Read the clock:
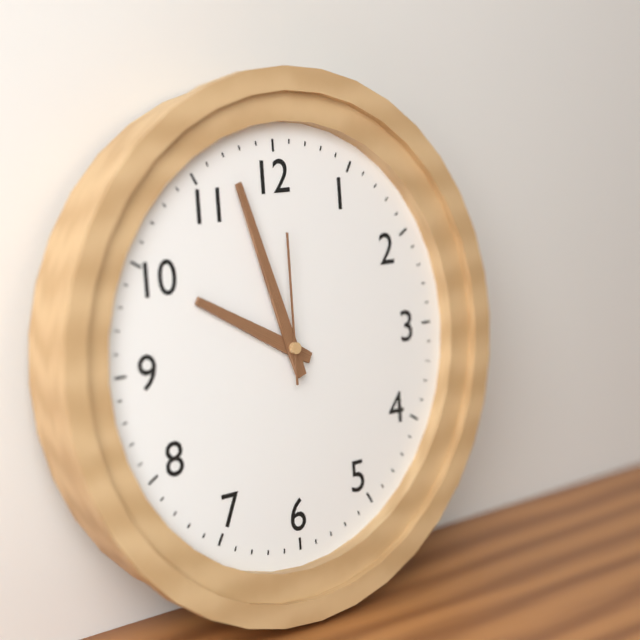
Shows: 9:57:00
